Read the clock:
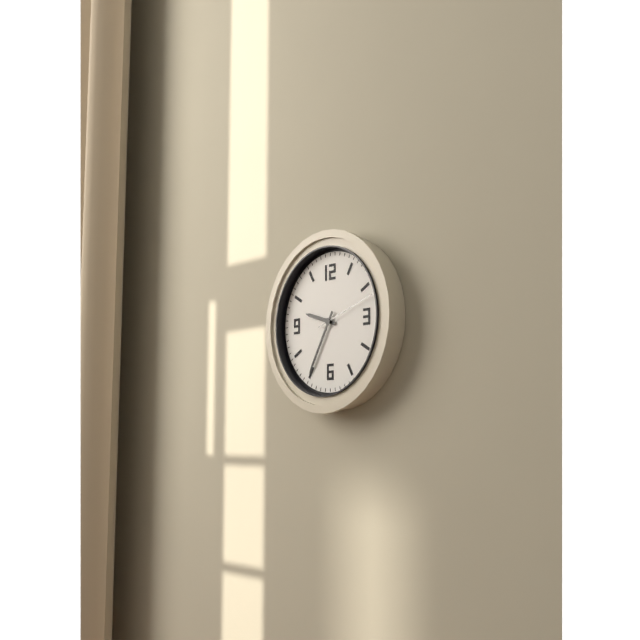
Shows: 9:35:12
